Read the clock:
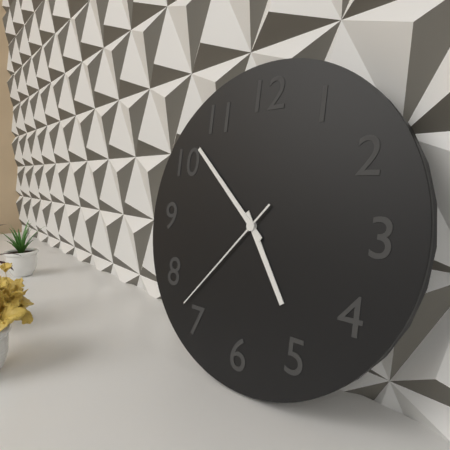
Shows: 4:52:37
